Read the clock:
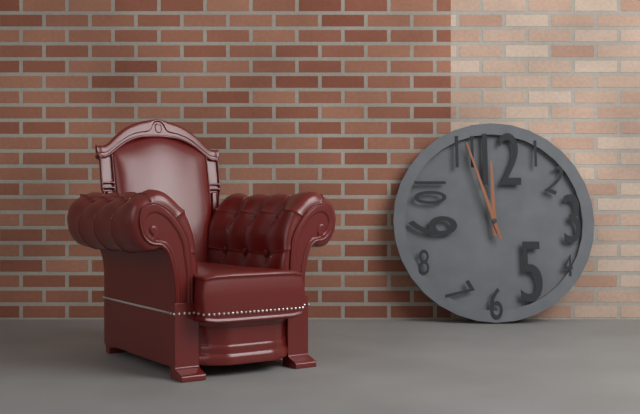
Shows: 11:57
